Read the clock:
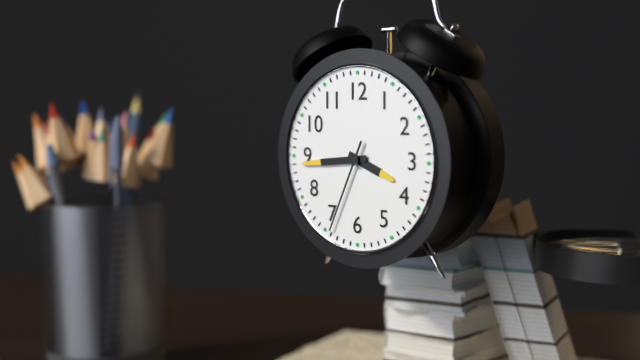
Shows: 3:44:34
